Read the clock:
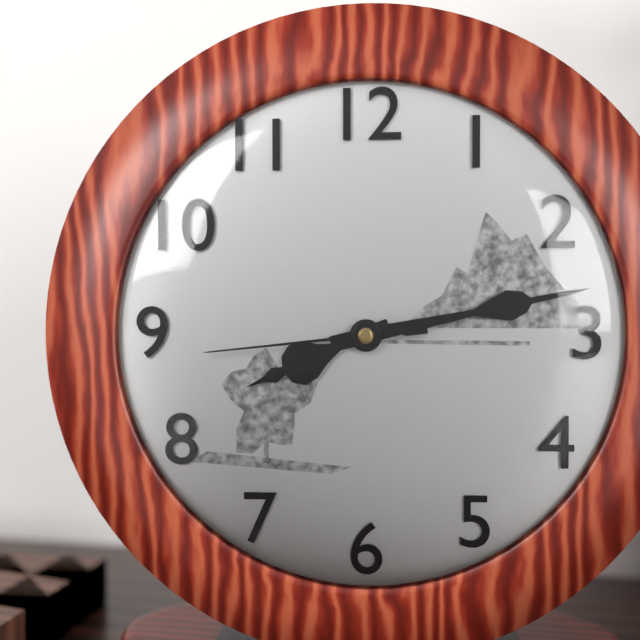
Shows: 8:13:44
